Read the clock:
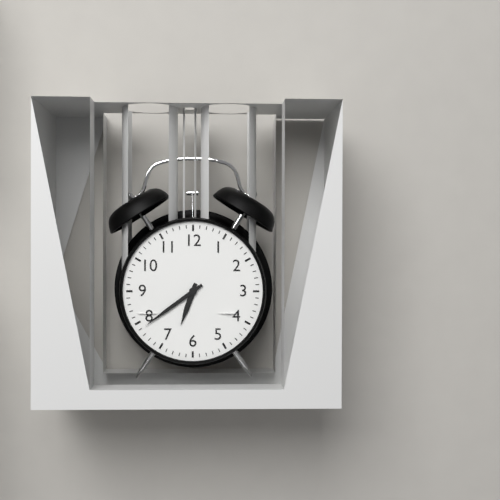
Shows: 6:39
